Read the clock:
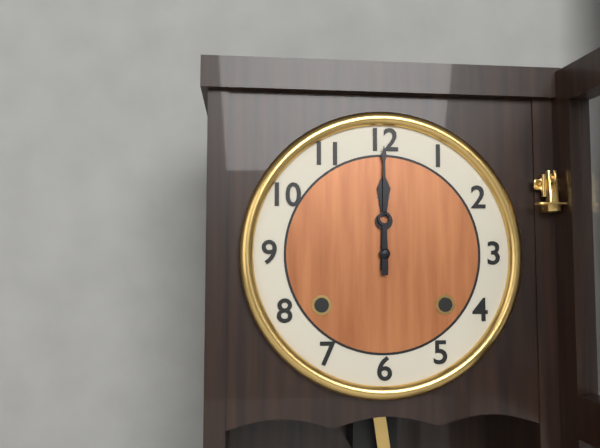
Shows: 12:00
